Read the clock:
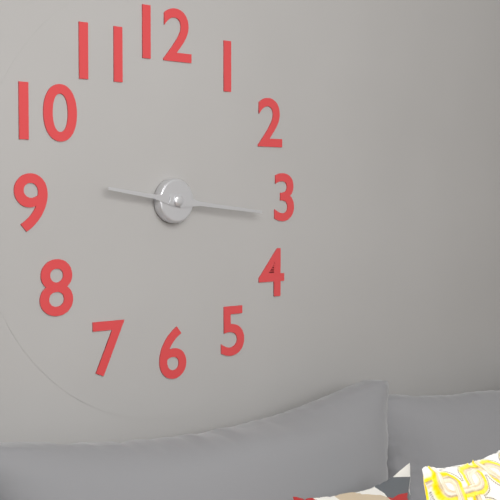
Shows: 9:16
